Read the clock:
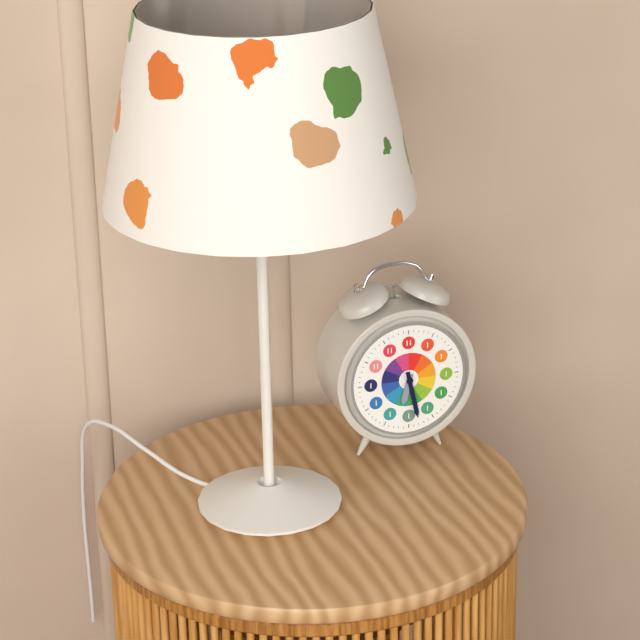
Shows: 6:28
